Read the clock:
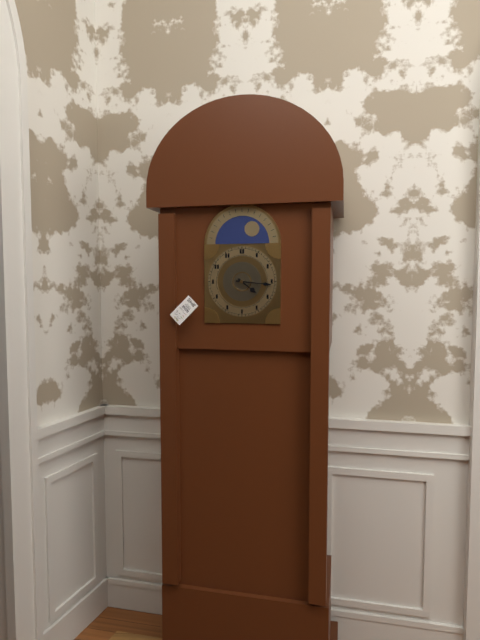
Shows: 4:16
